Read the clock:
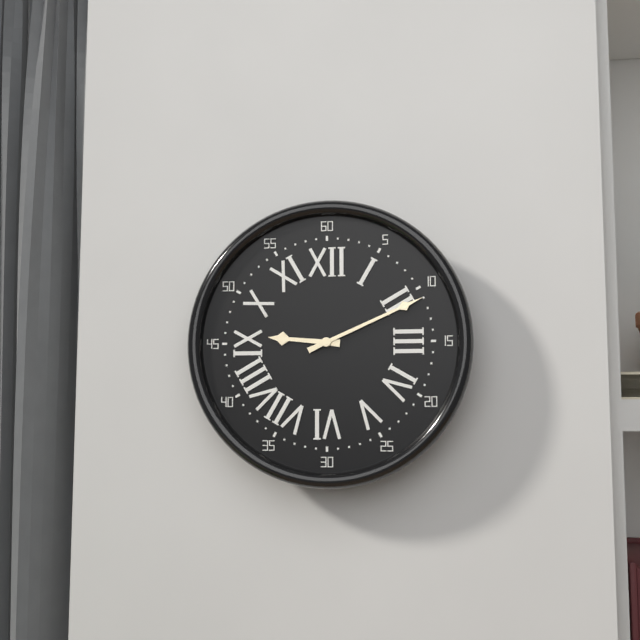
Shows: 9:11
